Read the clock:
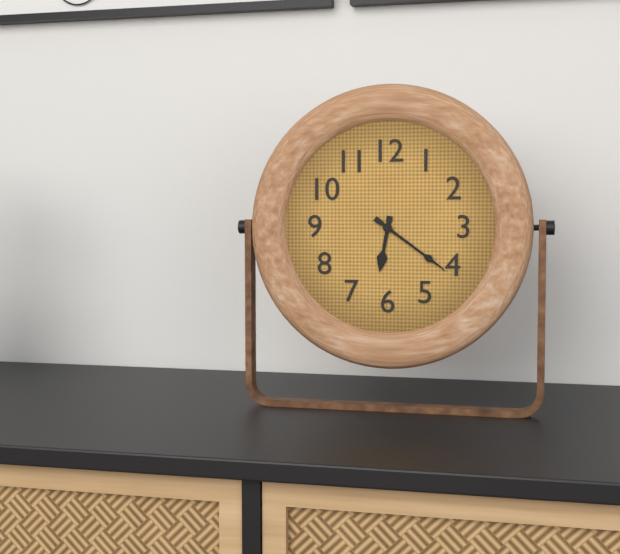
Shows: 6:21
